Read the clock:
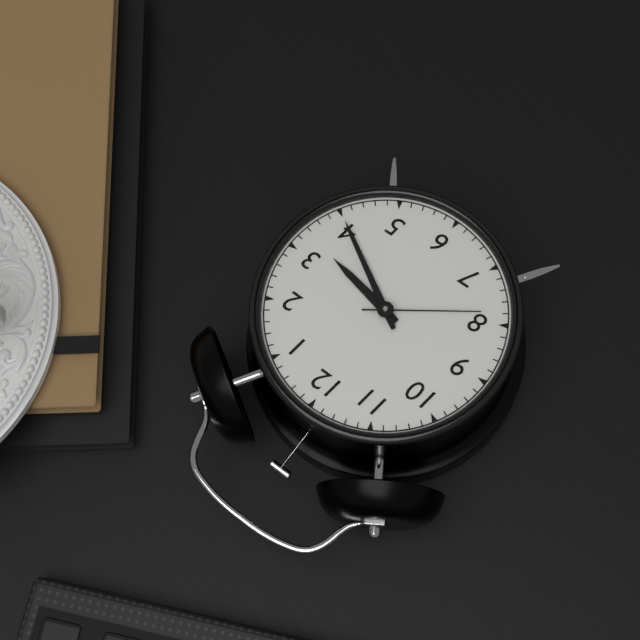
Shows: 3:20:39
